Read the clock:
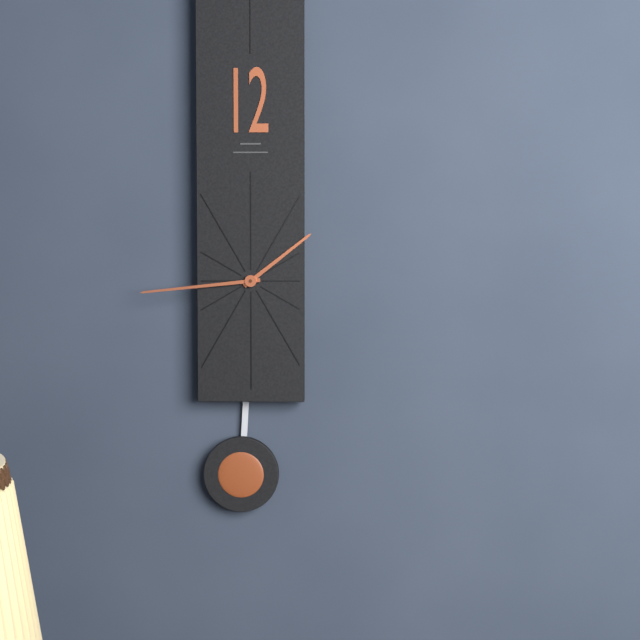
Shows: 1:44
